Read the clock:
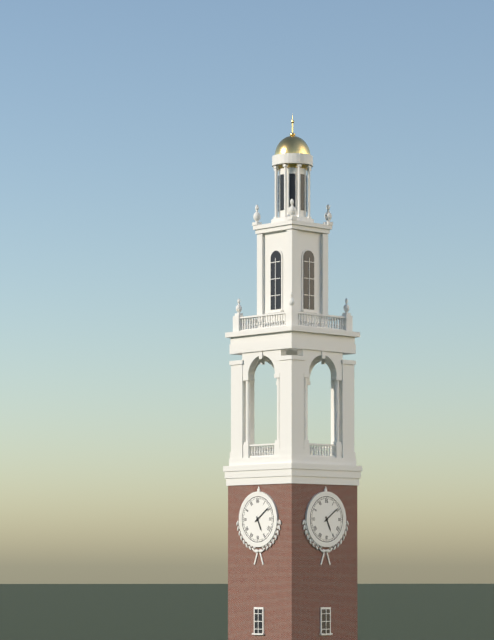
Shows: 5:09
